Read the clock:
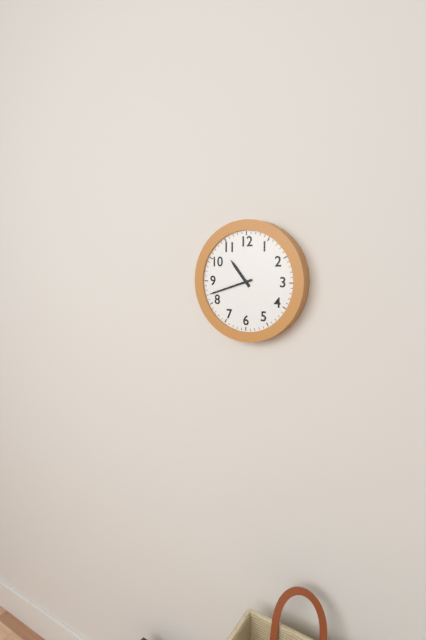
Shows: 10:42
